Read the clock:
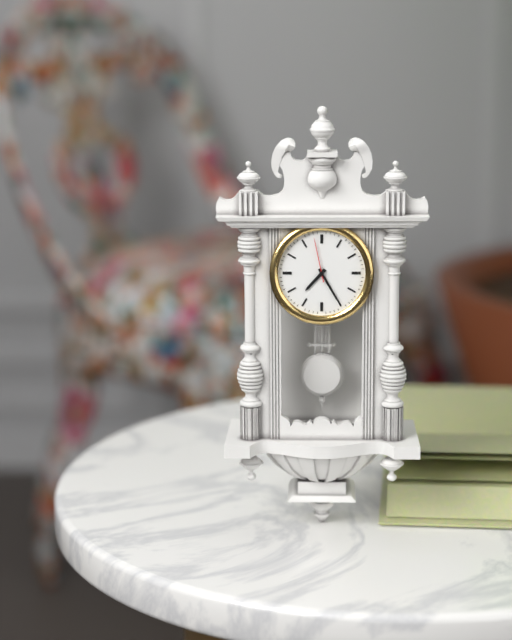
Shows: 7:25
